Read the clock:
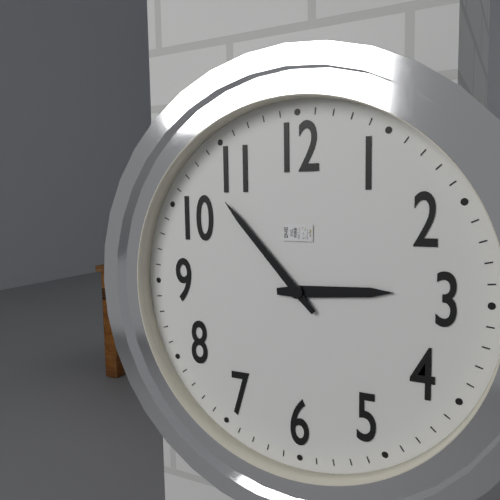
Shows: 2:53
